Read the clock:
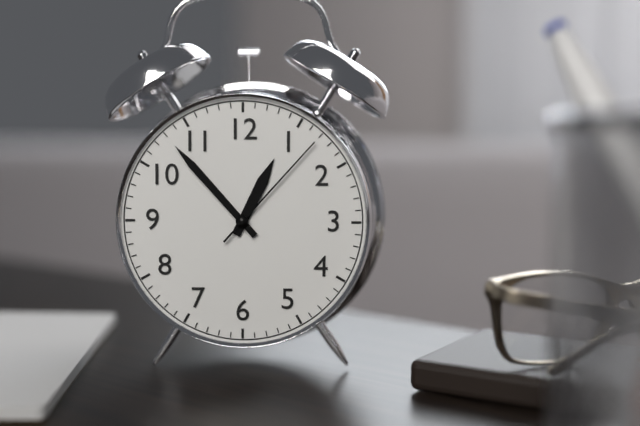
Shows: 12:53:07
